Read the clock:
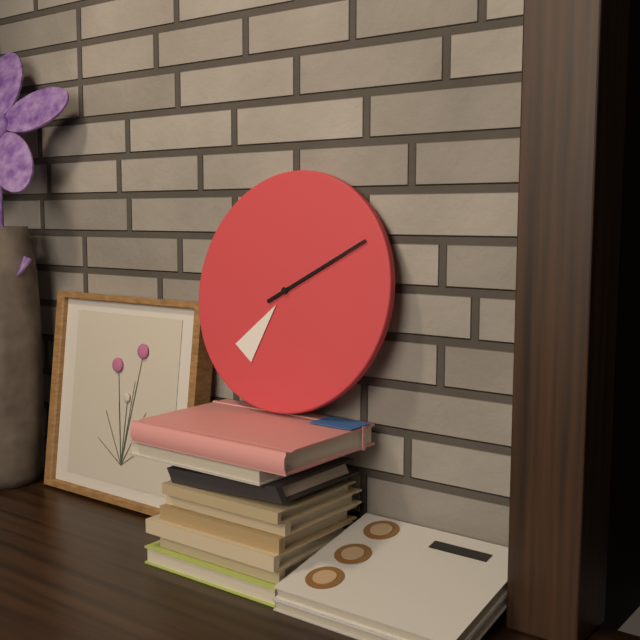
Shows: 7:10
